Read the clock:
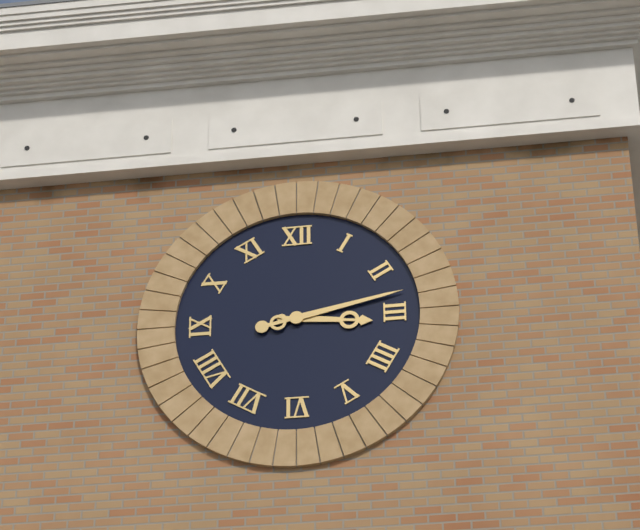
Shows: 3:13
